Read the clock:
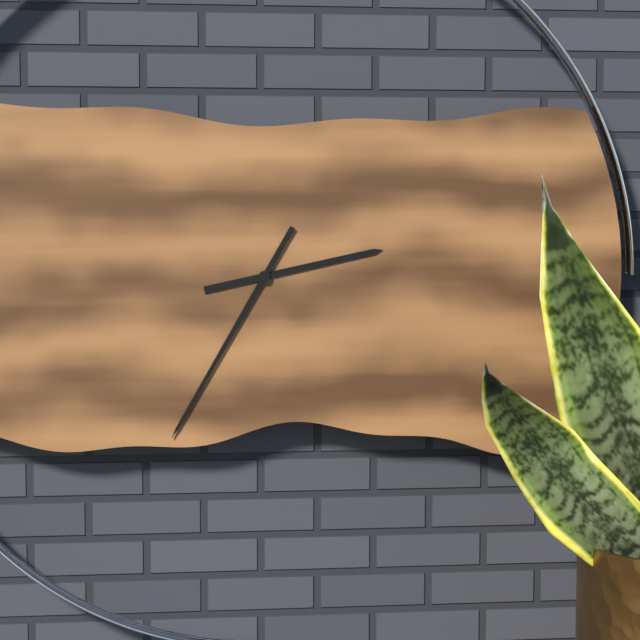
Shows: 2:35
